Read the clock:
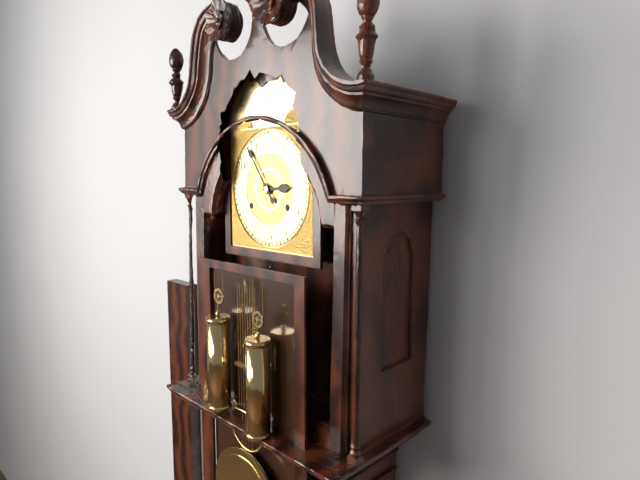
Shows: 2:54
